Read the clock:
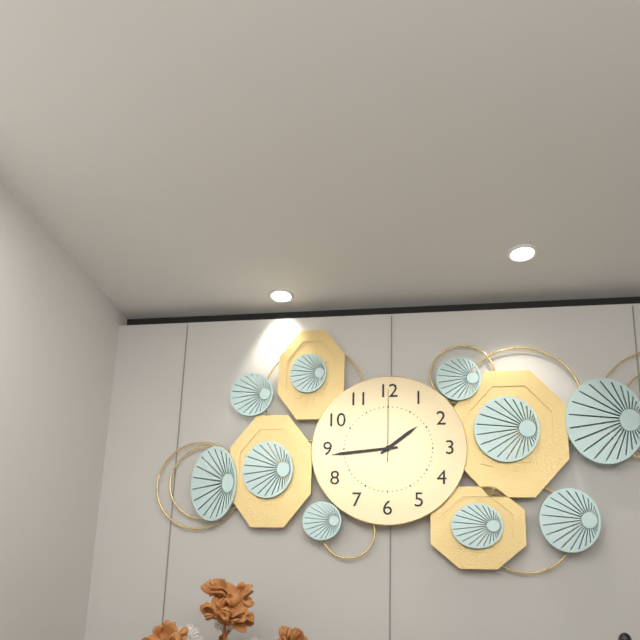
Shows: 1:44:00
